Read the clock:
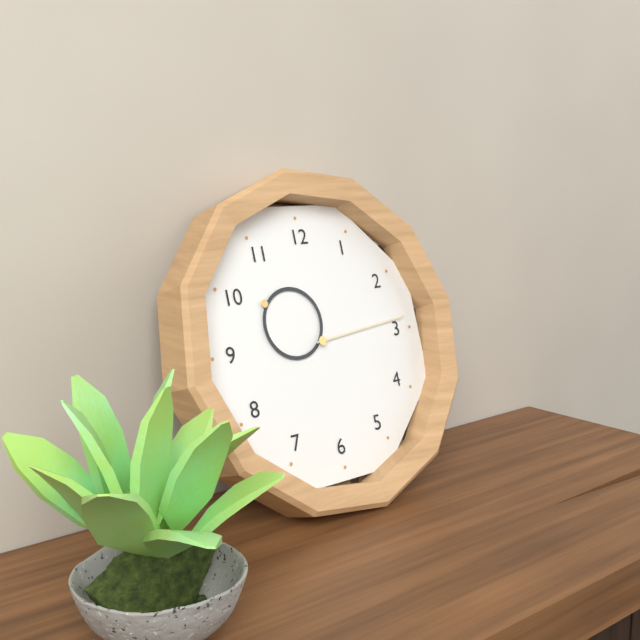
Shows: 10:14
